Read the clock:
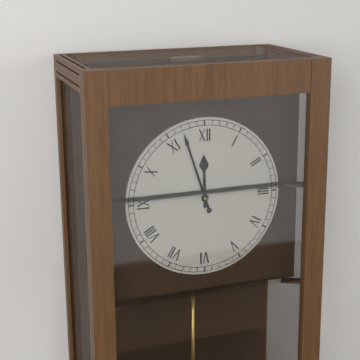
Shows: 11:57
